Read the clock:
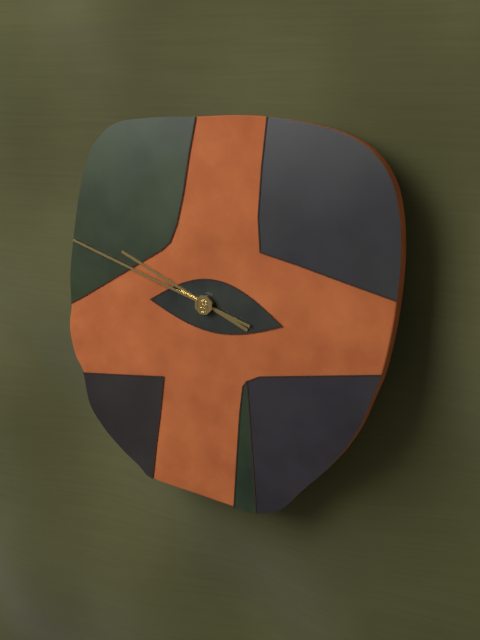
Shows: 9:48
